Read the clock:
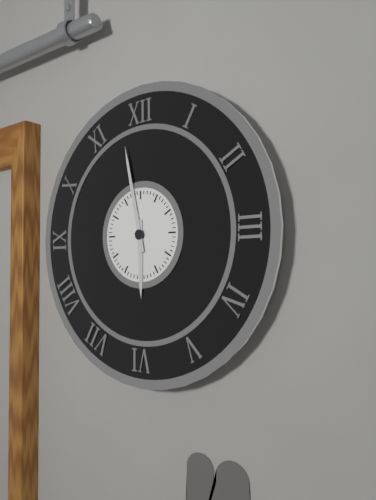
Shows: 5:58
